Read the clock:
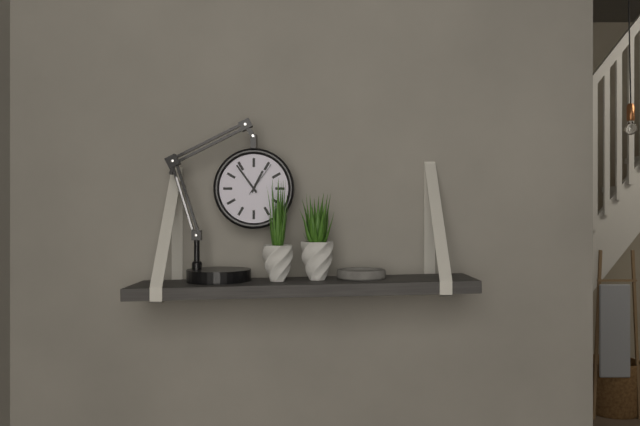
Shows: 12:54
